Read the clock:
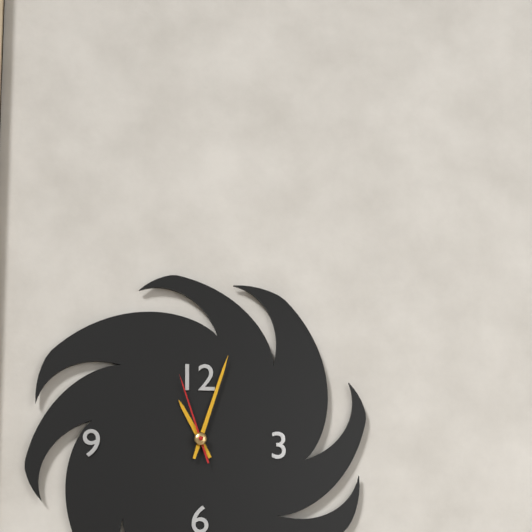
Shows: 11:03:57
